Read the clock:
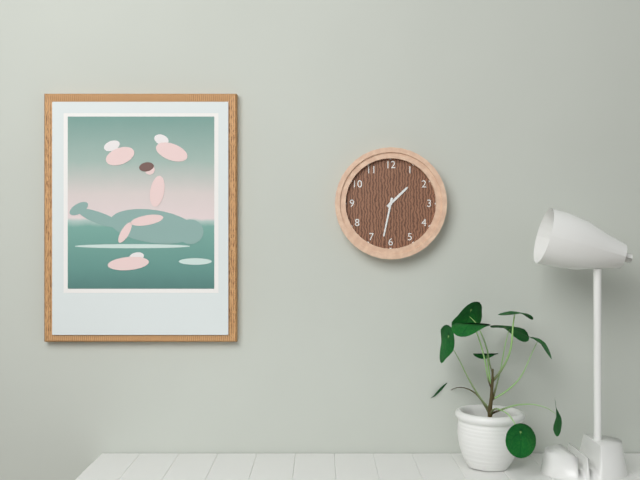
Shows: 1:32
